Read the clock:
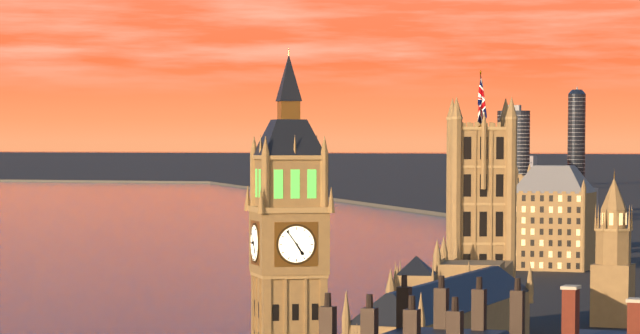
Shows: 4:54
